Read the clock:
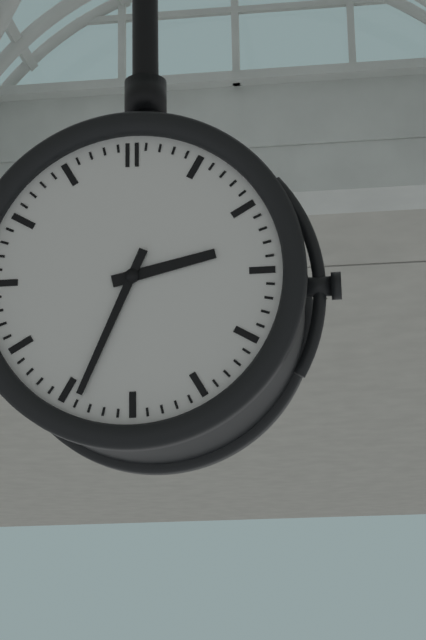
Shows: 2:34
